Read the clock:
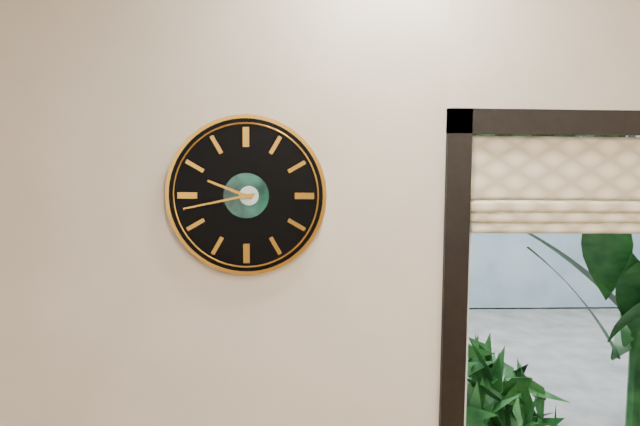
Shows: 9:43
